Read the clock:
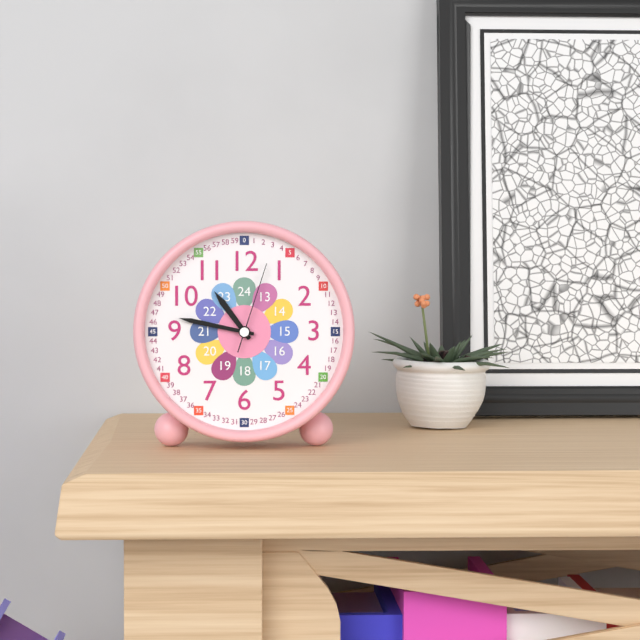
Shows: 10:47:03
